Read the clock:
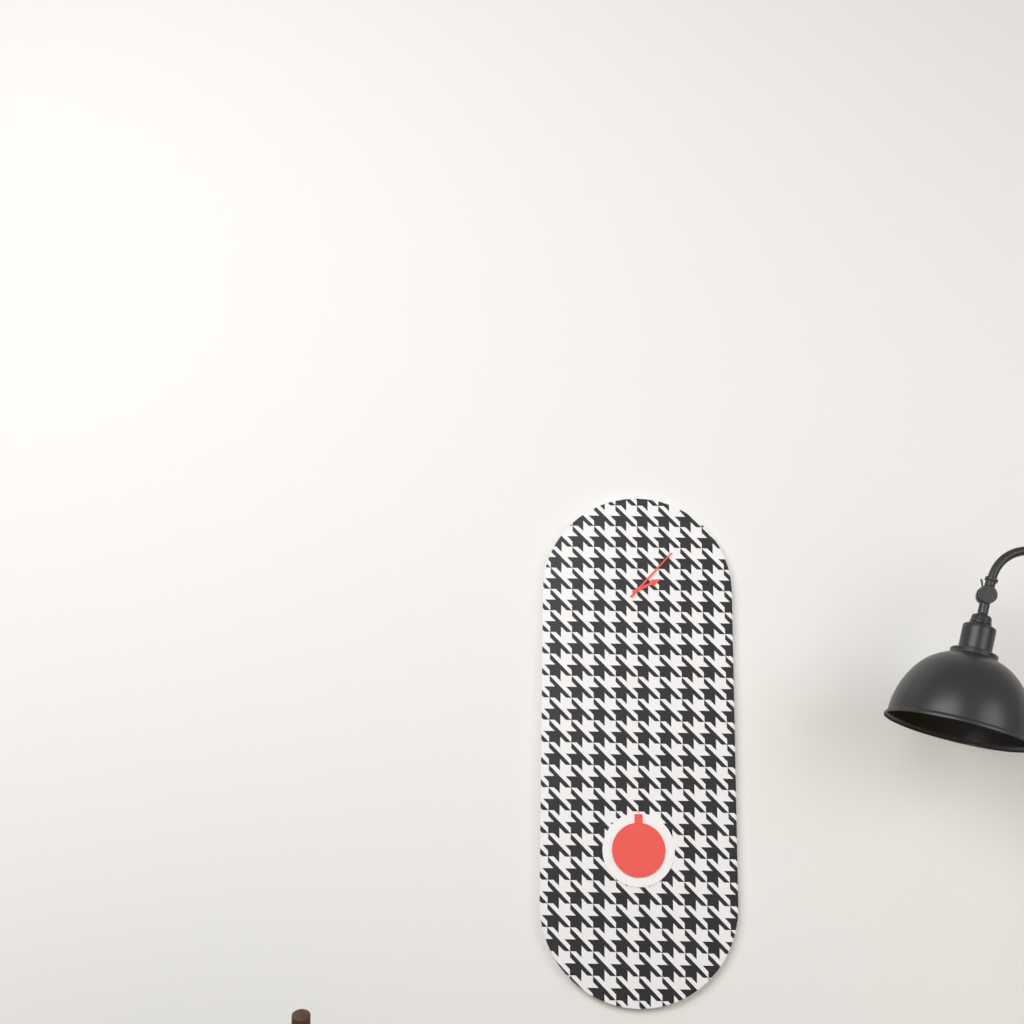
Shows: 2:07
